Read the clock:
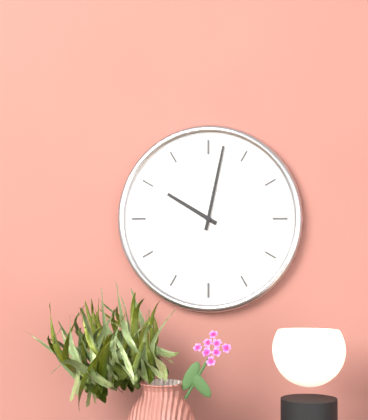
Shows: 10:02
